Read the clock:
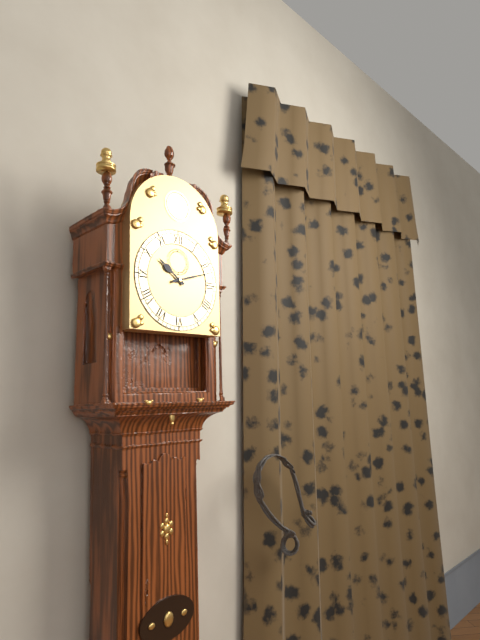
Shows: 10:12
